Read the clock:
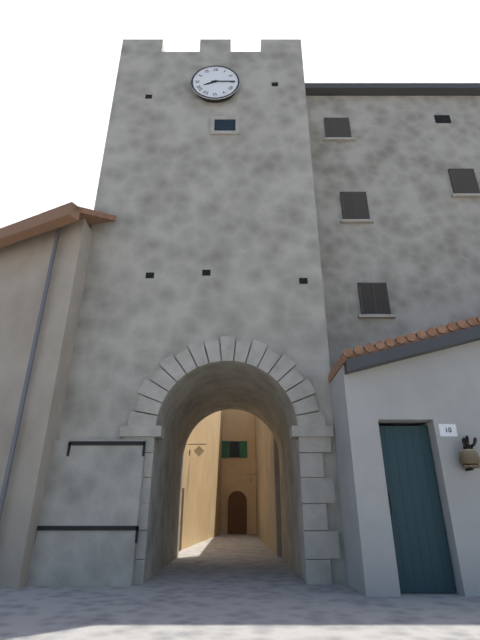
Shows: 8:15
